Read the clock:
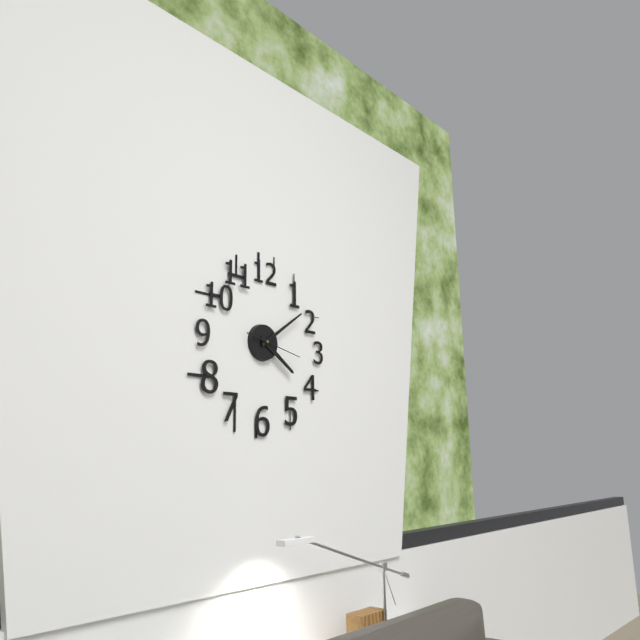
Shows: 4:09
